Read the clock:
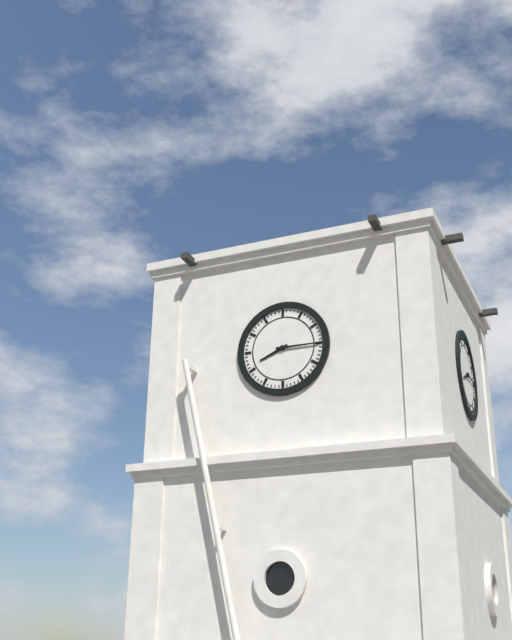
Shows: 8:15
